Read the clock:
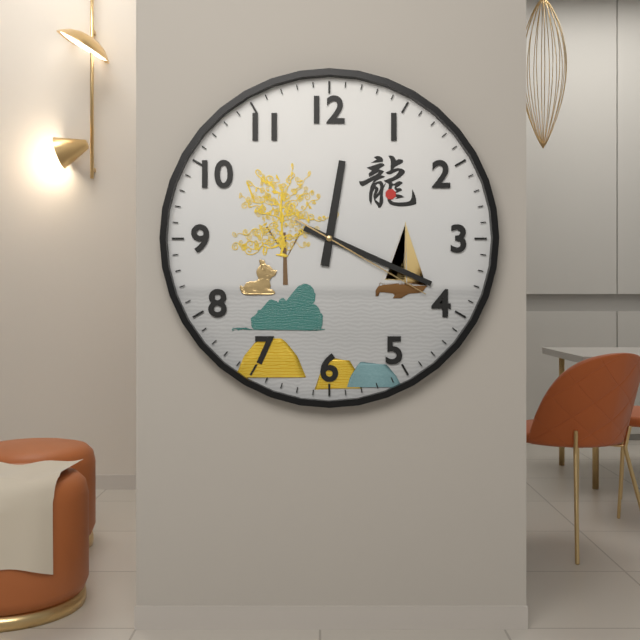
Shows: 12:19:20
